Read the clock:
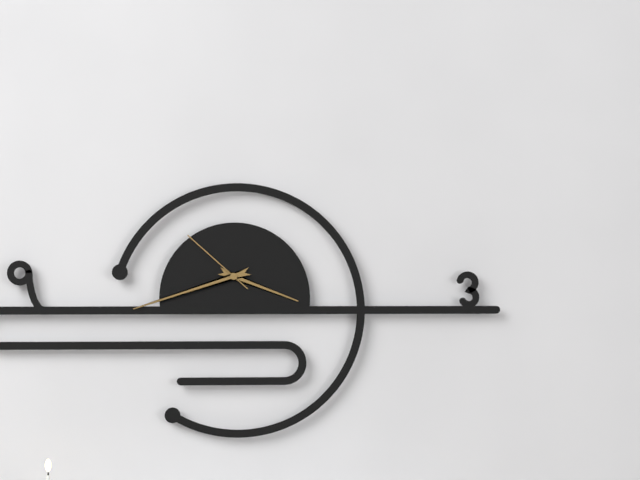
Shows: 3:42:52
